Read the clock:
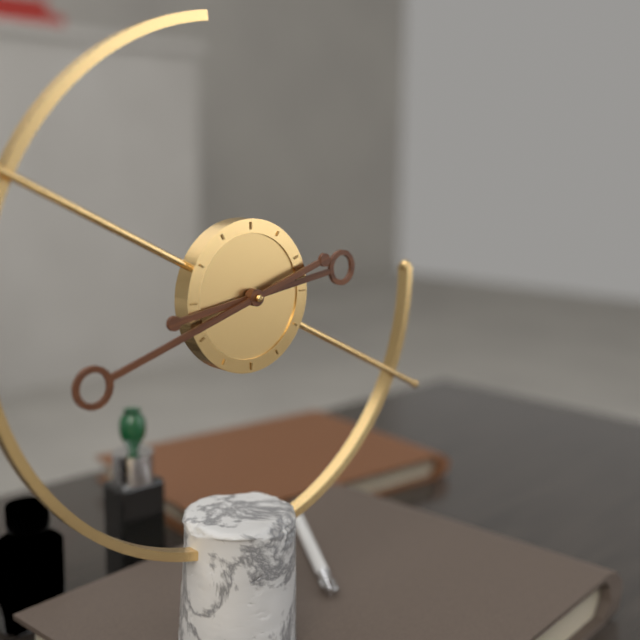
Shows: 2:42
